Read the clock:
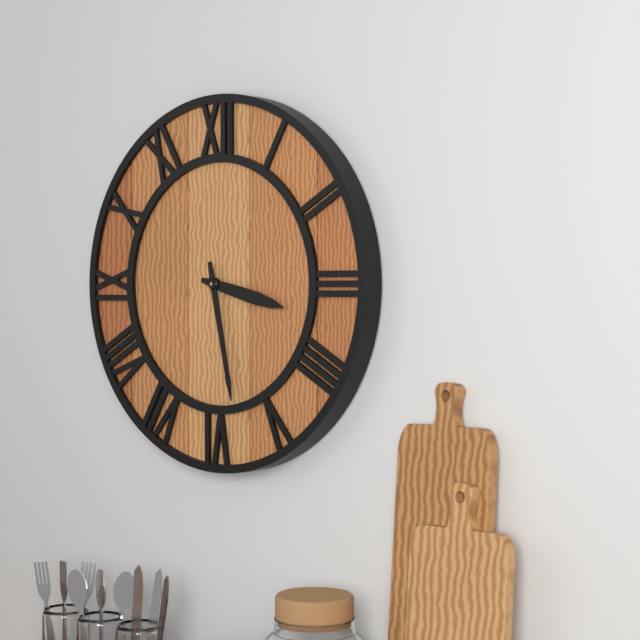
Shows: 3:28
